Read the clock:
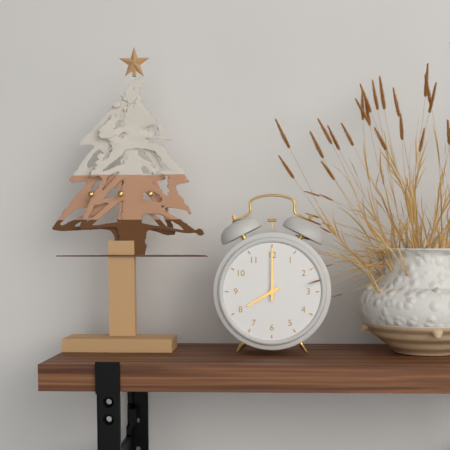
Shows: 8:00
